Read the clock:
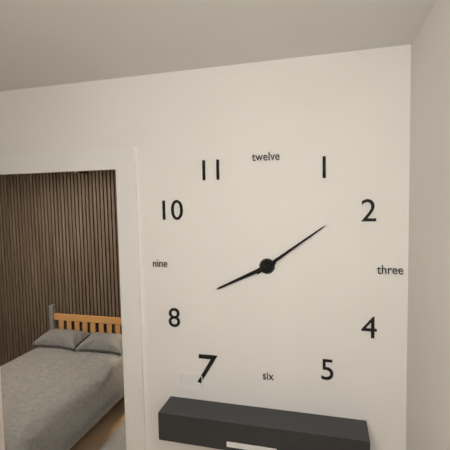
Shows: 8:09
